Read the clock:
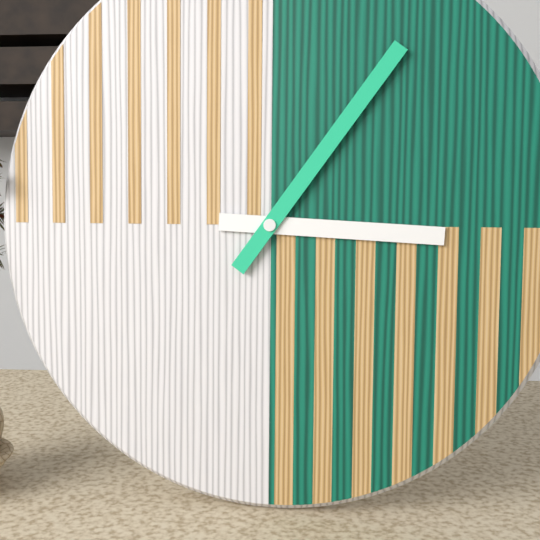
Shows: 3:06
